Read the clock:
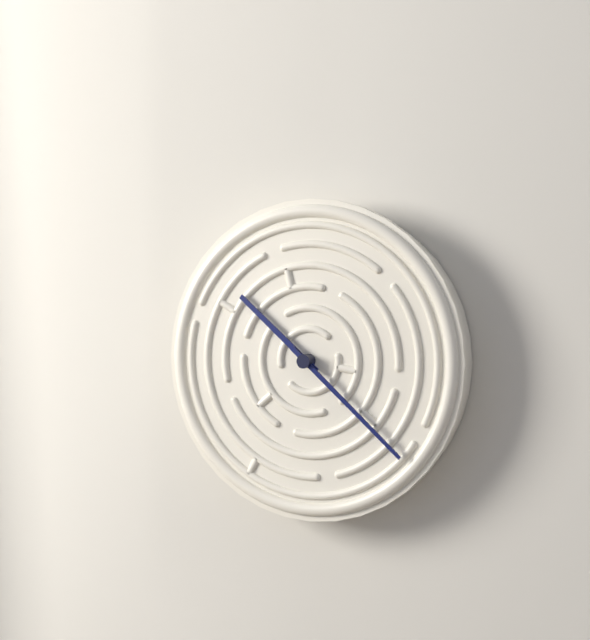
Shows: 10:22
